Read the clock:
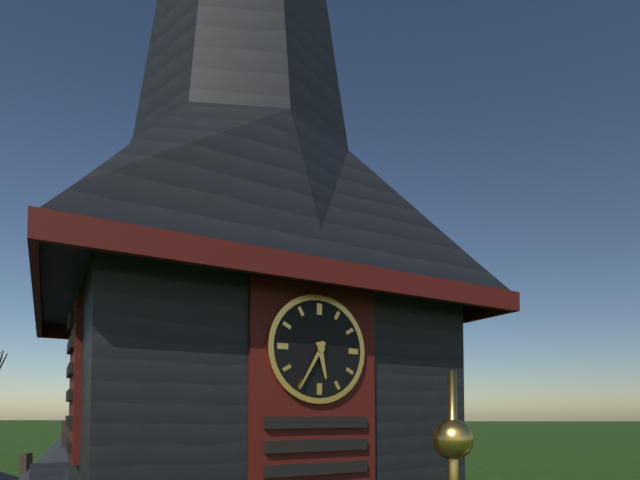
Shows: 5:35
